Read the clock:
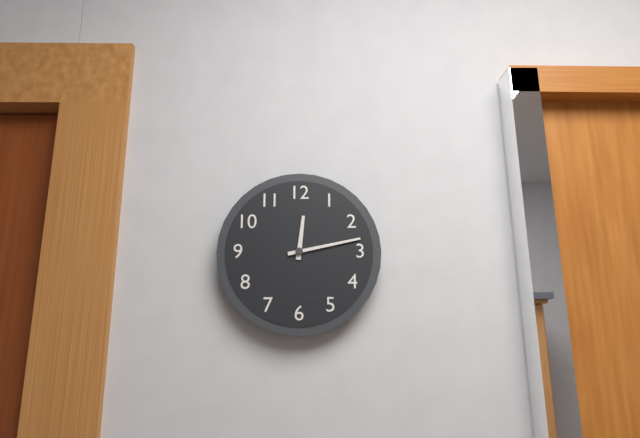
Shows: 12:13
